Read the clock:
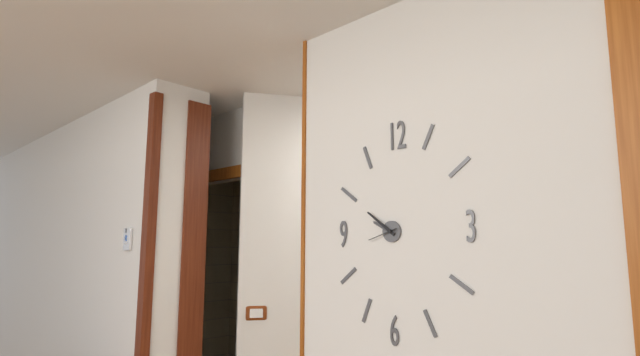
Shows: 9:51
